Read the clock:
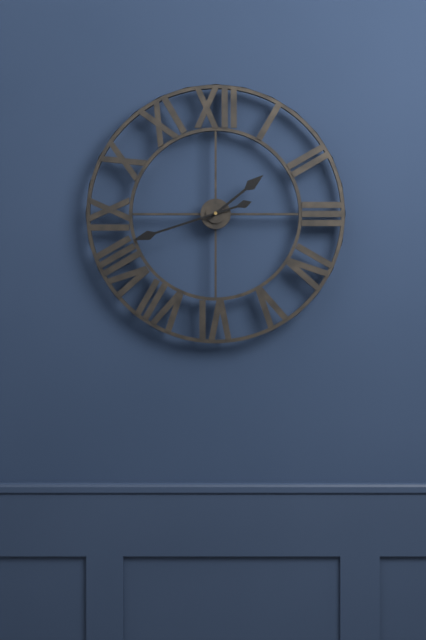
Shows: 1:42
